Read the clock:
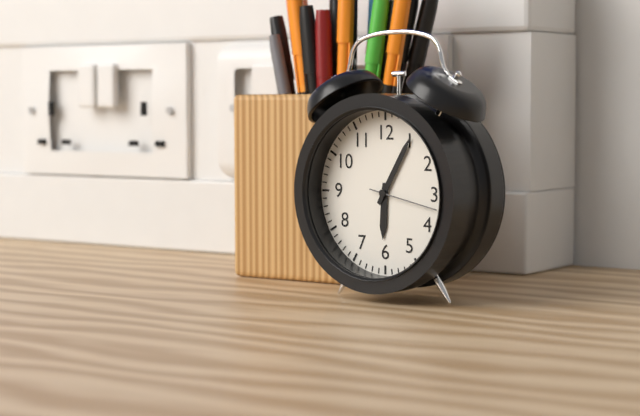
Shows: 6:05:17
